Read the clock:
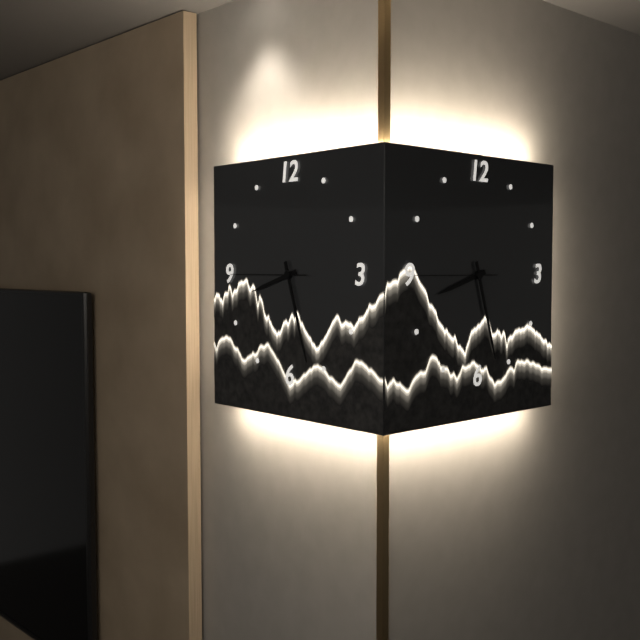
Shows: 8:27:45
